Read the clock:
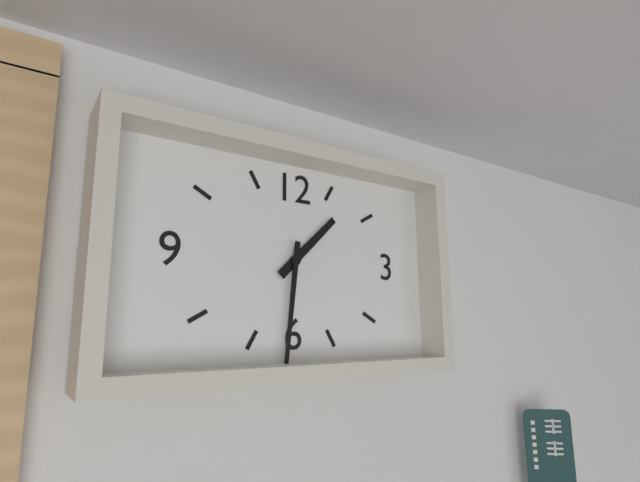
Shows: 1:31
